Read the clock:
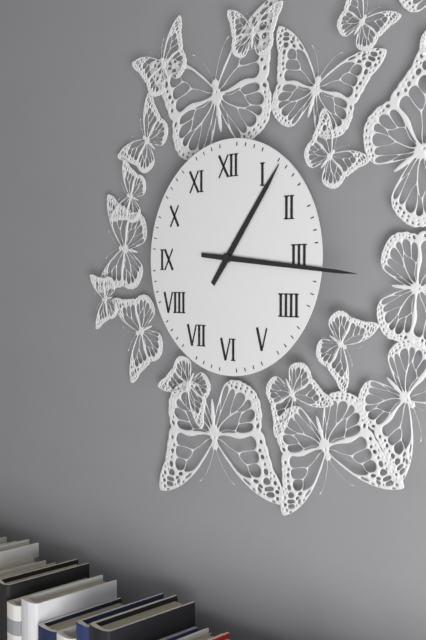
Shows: 1:16
